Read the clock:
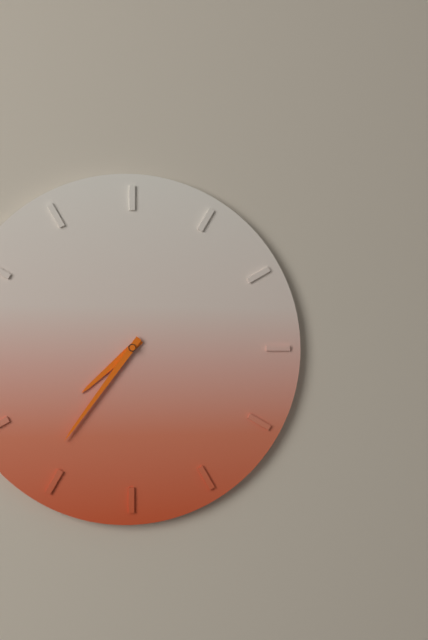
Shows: 7:36
